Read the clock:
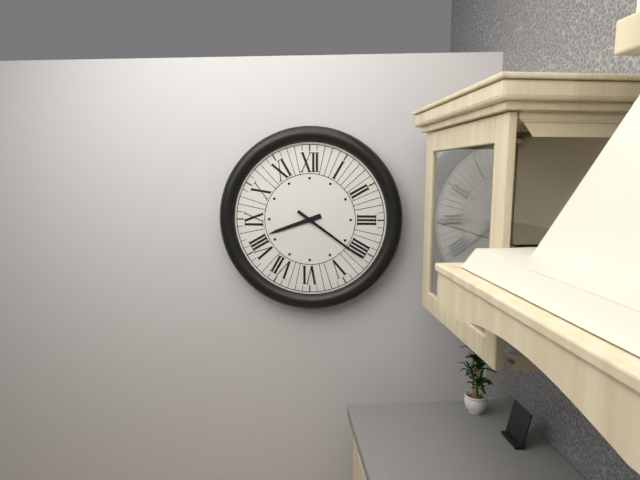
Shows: 8:21
